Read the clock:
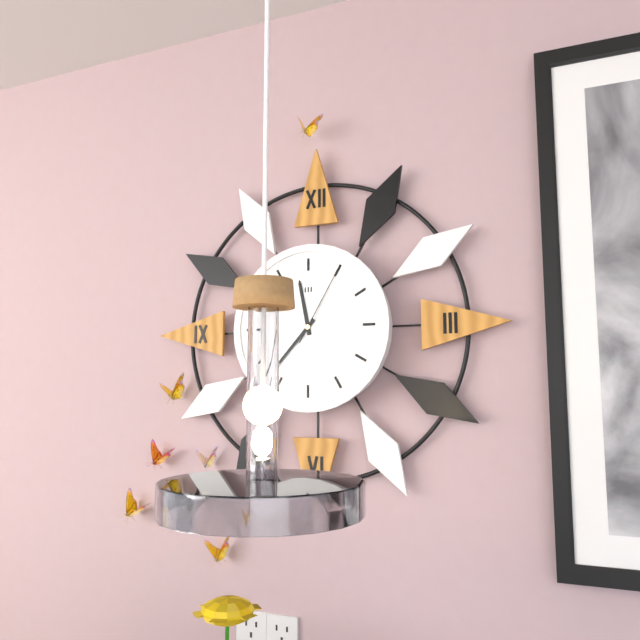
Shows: 11:37:05
